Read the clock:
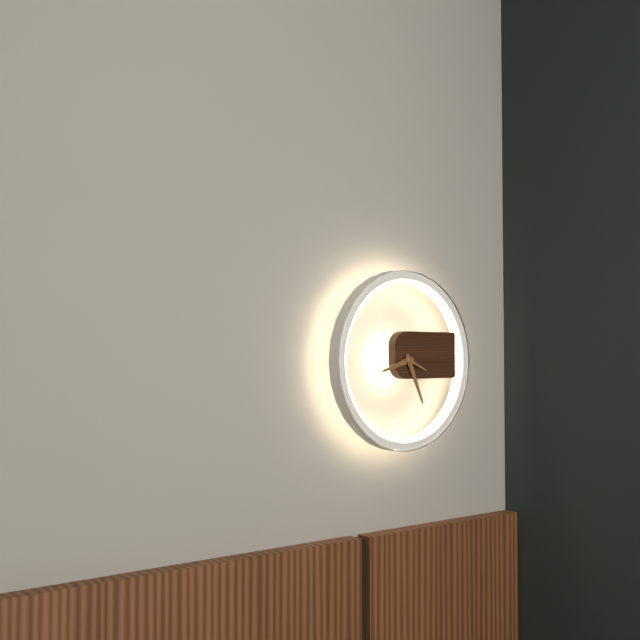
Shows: 8:26:19
